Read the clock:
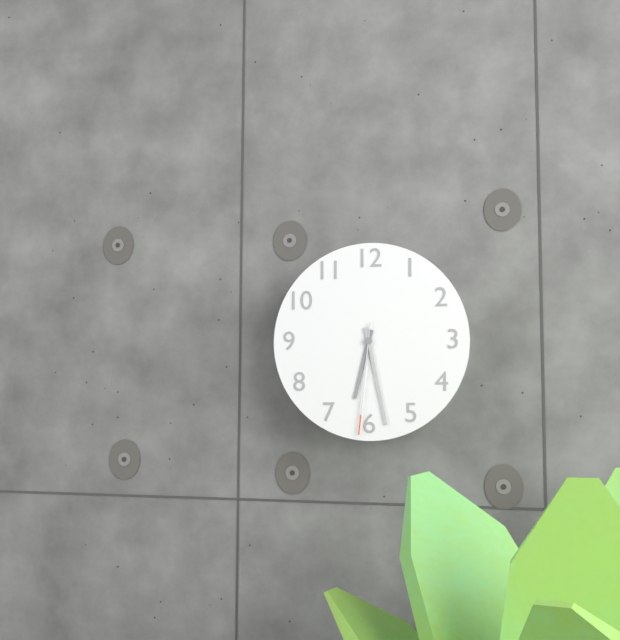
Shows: 6:28:31
